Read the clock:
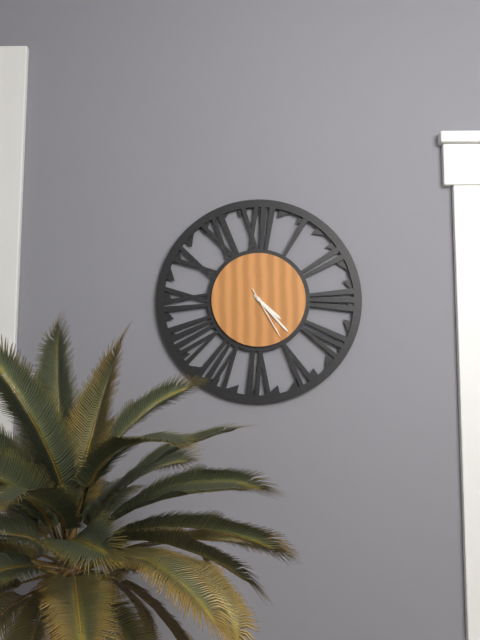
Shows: 4:23:25
